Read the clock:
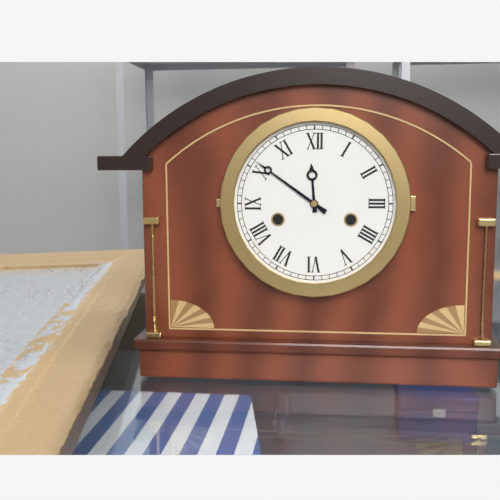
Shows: 11:51
